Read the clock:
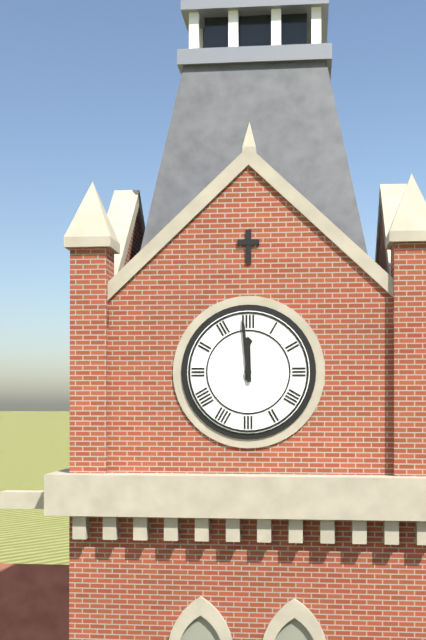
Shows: 11:59
